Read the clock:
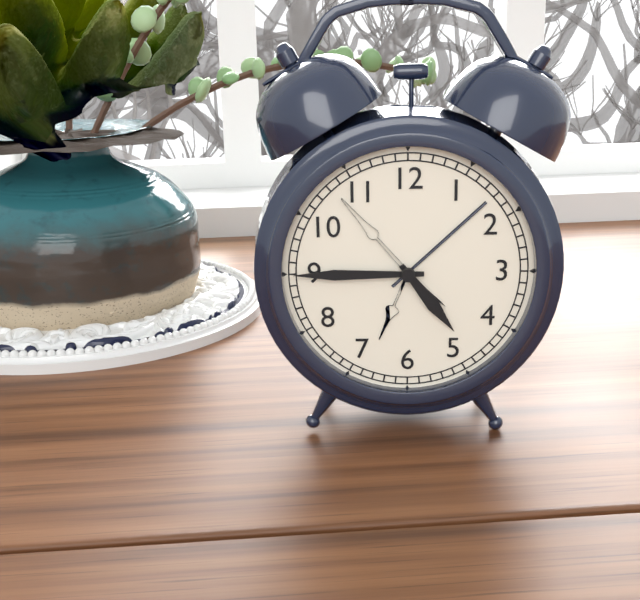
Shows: 4:45
